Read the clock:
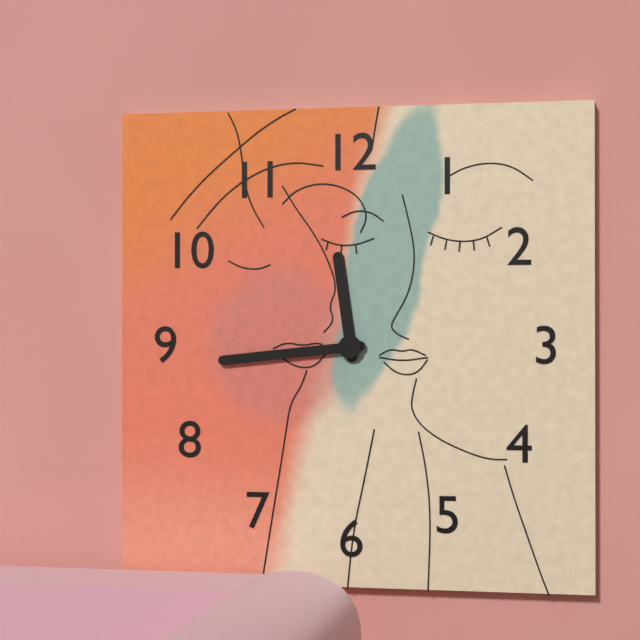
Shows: 11:44
